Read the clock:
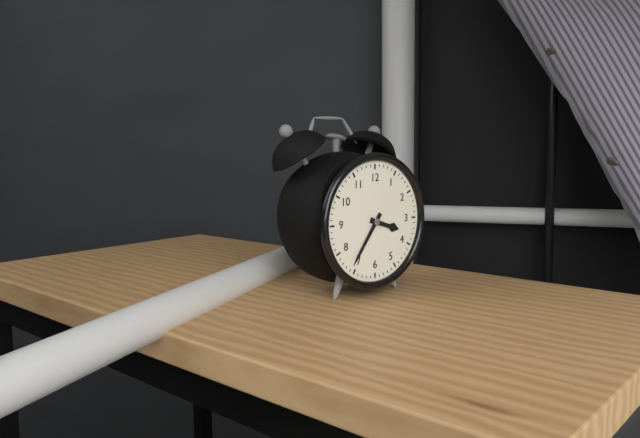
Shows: 3:36
